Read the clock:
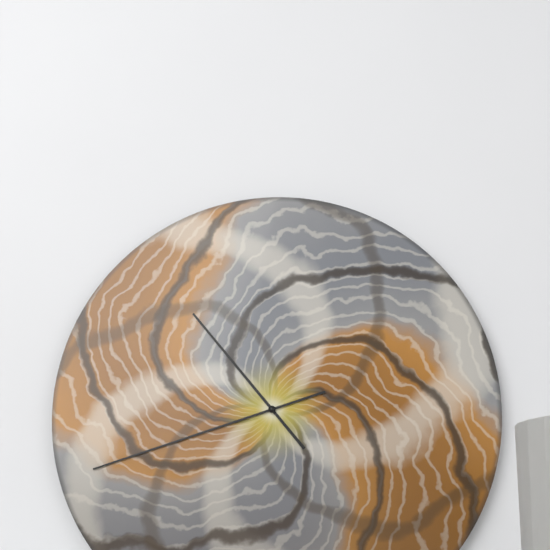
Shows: 10:42
